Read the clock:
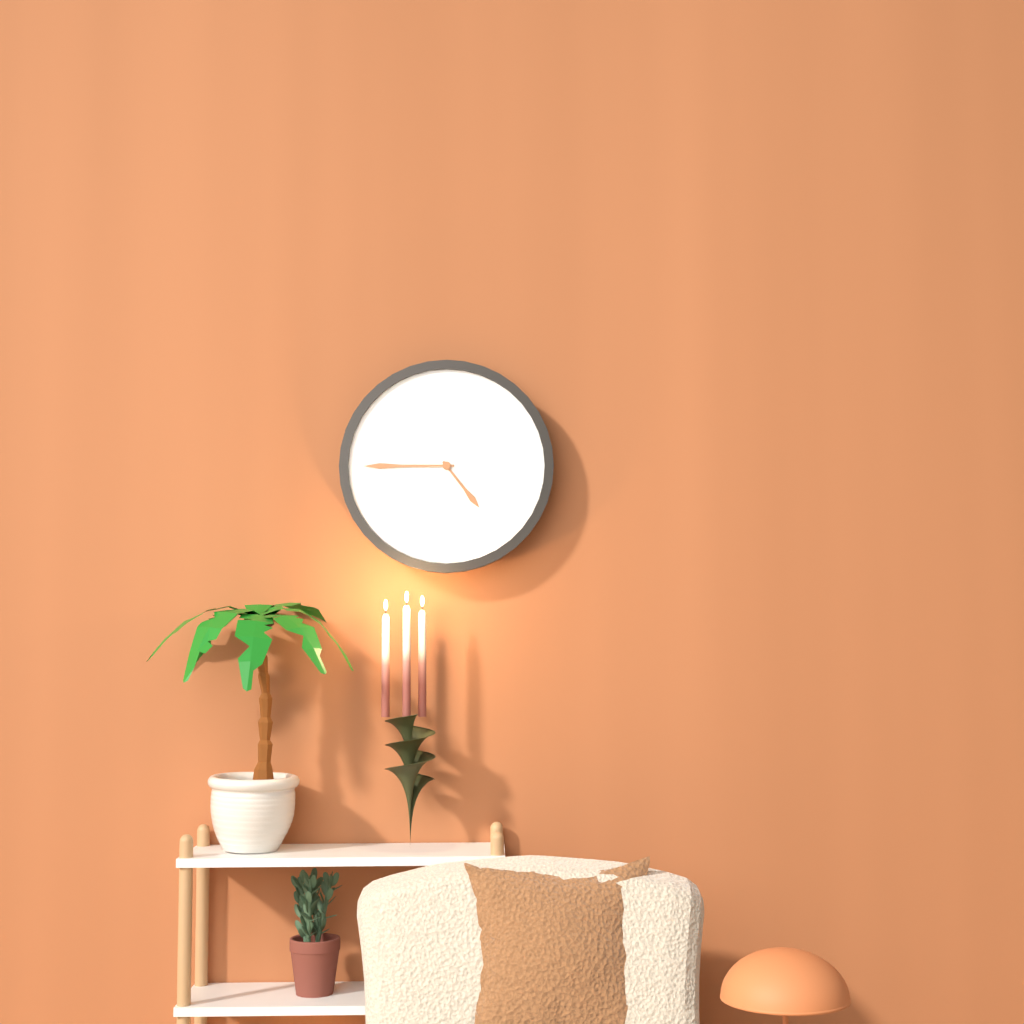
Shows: 4:45
